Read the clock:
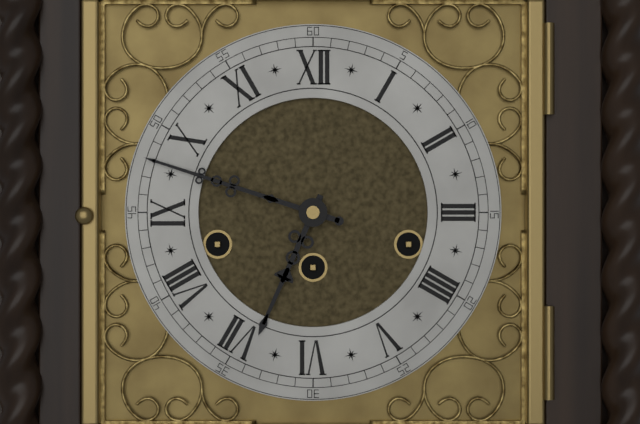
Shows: 6:48
